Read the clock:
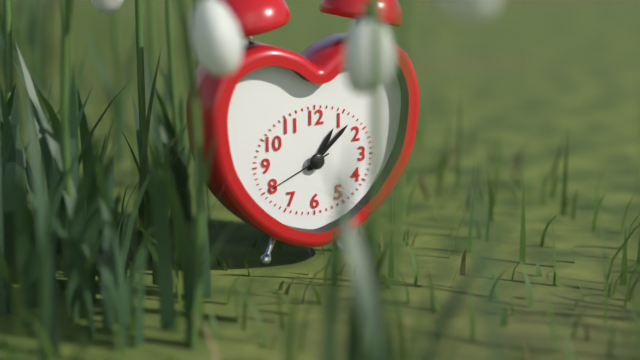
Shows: 1:08:41
